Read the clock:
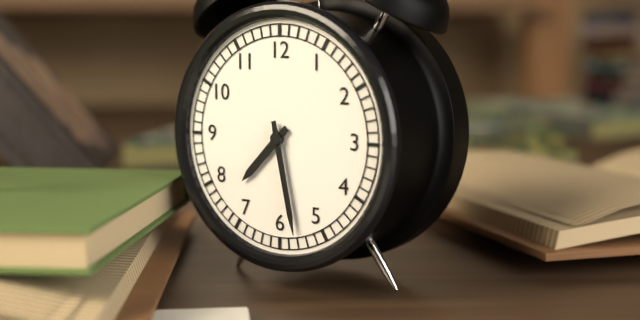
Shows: 7:28
